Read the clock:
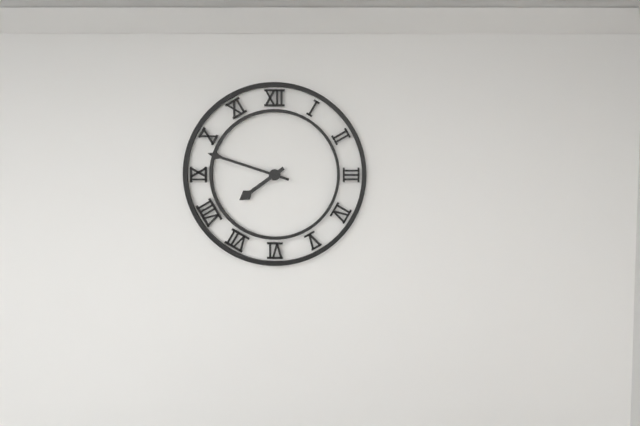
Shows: 7:48
